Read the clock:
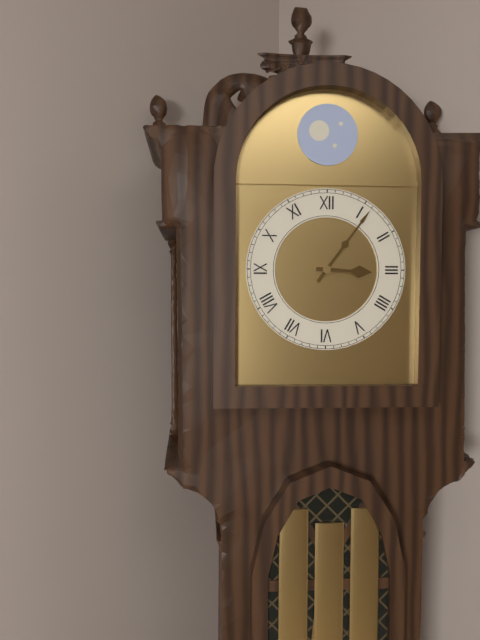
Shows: 3:06
